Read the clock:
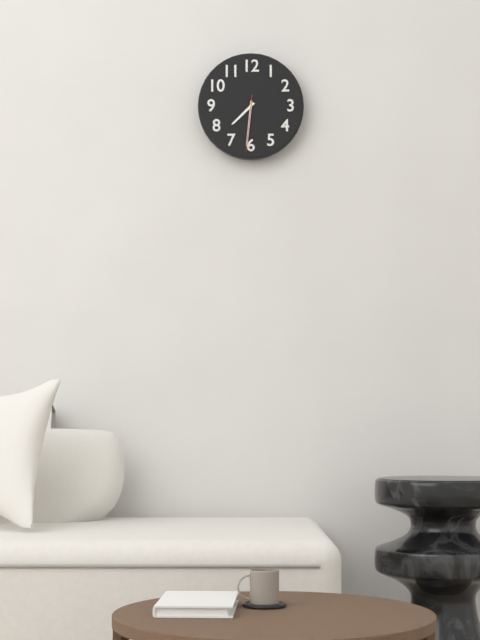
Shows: 7:31:31
